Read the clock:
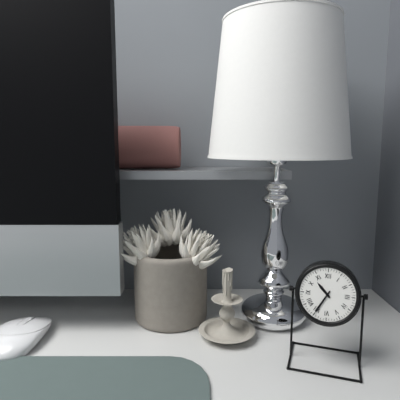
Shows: 10:35
